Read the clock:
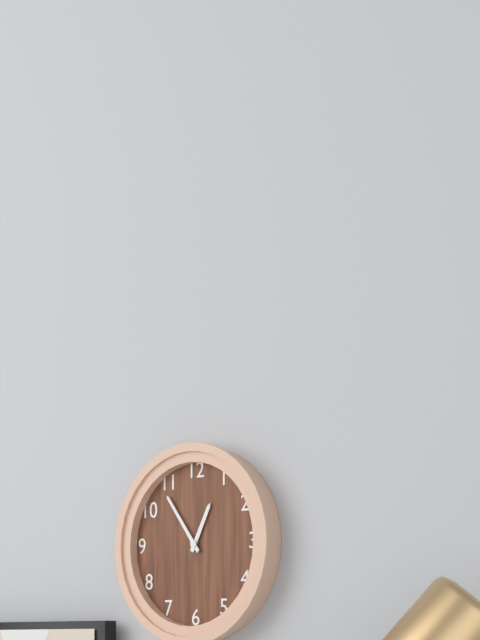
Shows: 12:54
